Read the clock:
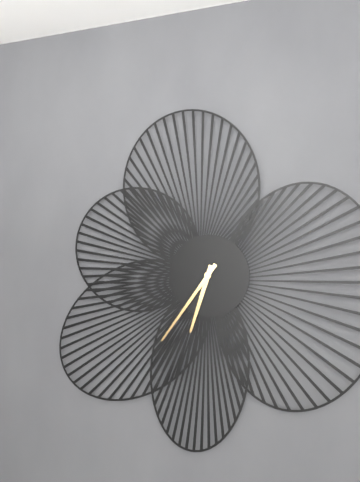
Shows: 6:36
